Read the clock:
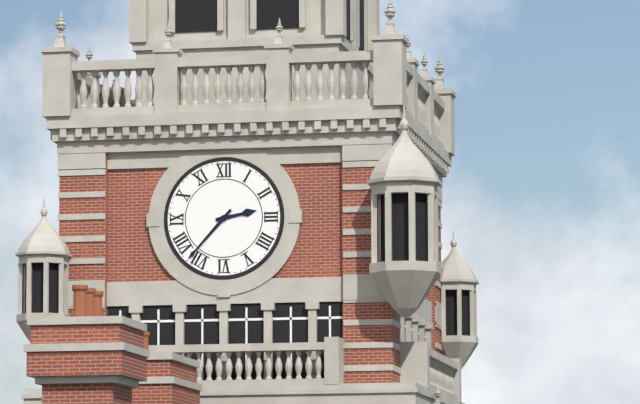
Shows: 2:37
